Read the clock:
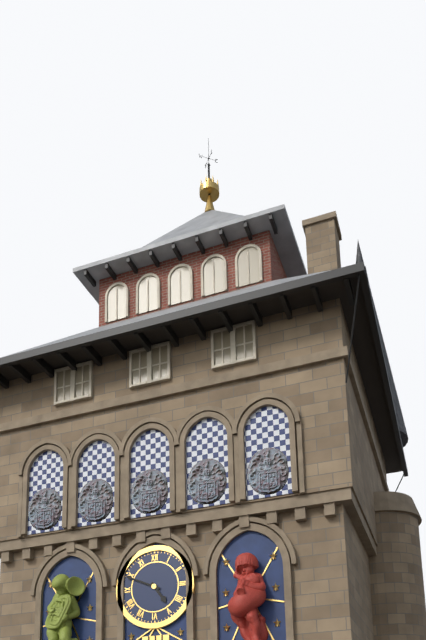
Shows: 4:49
